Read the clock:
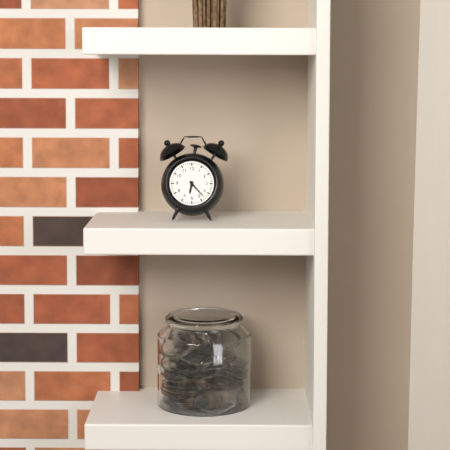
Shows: 6:23
